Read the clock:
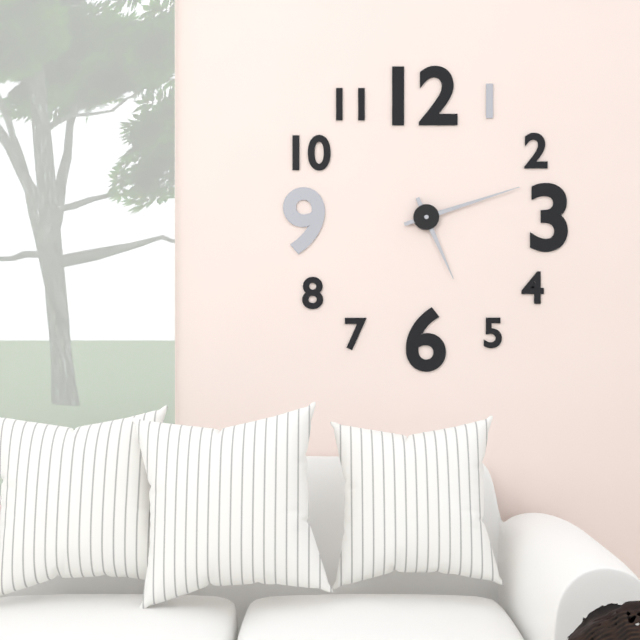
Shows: 5:12
